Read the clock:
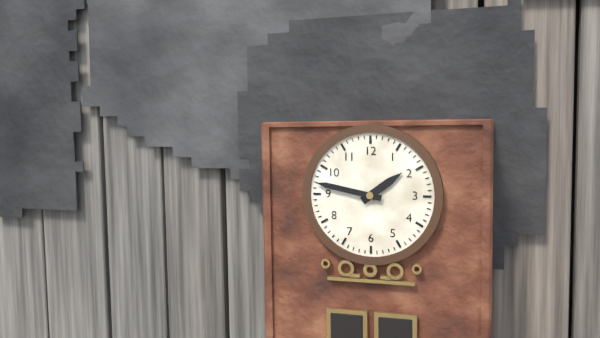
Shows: 1:47
